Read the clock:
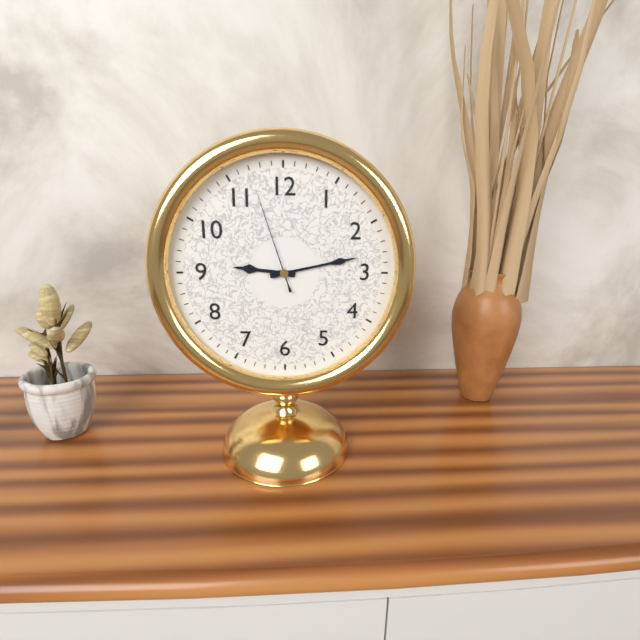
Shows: 9:13:57
